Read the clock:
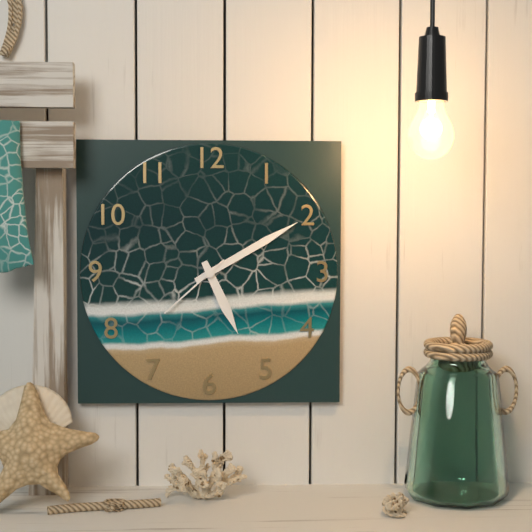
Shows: 5:10:38
